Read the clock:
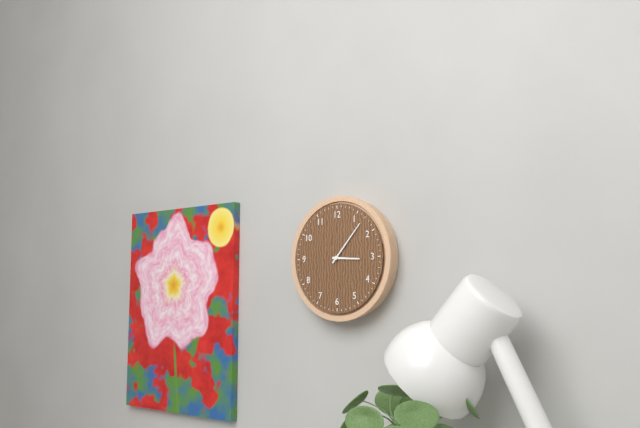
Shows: 3:07
